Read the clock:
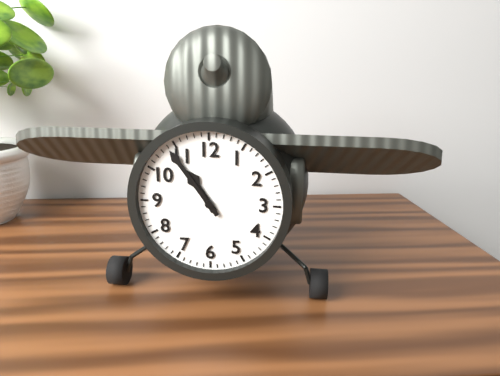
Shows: 10:54
